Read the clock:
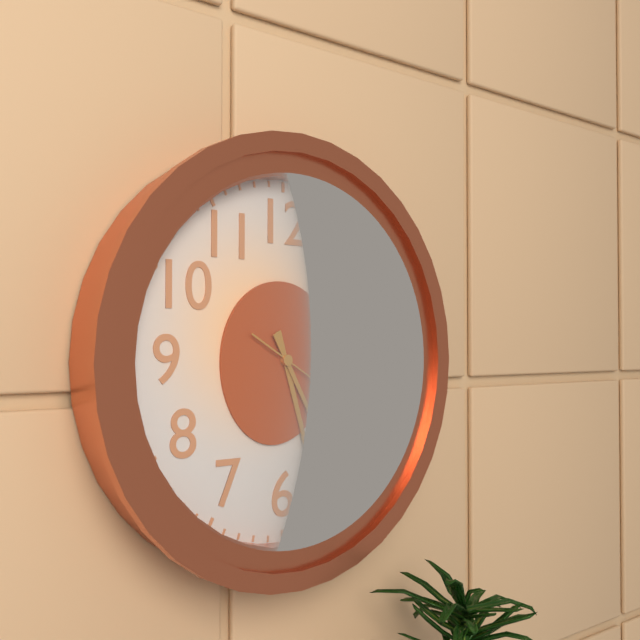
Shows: 5:25:20
